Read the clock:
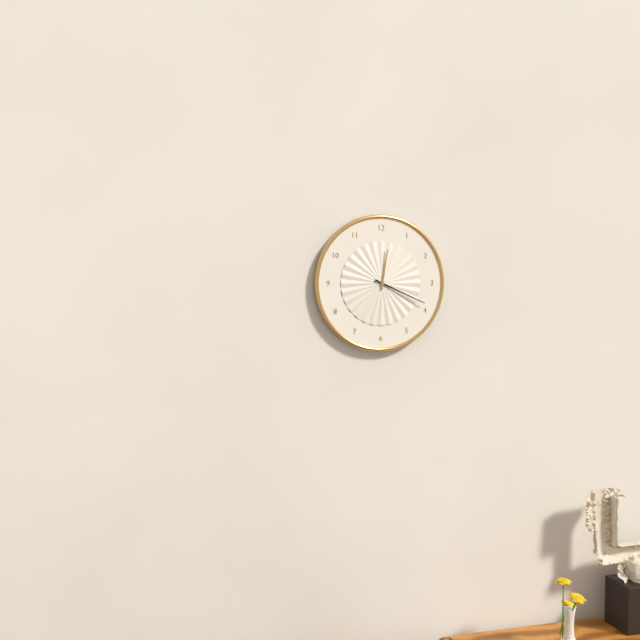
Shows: 12:19
